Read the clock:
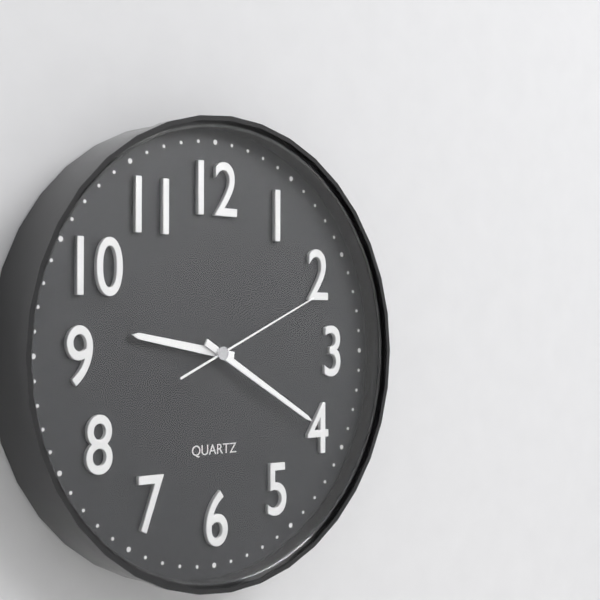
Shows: 9:20:11
